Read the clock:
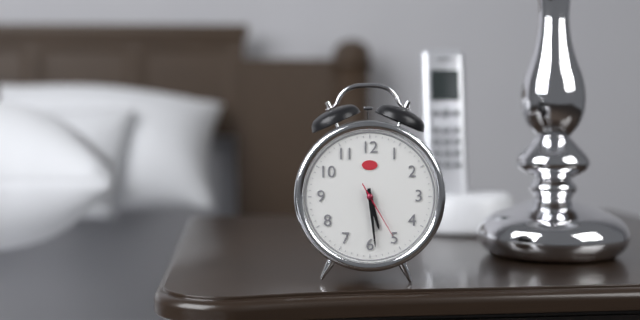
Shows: 5:29:25
